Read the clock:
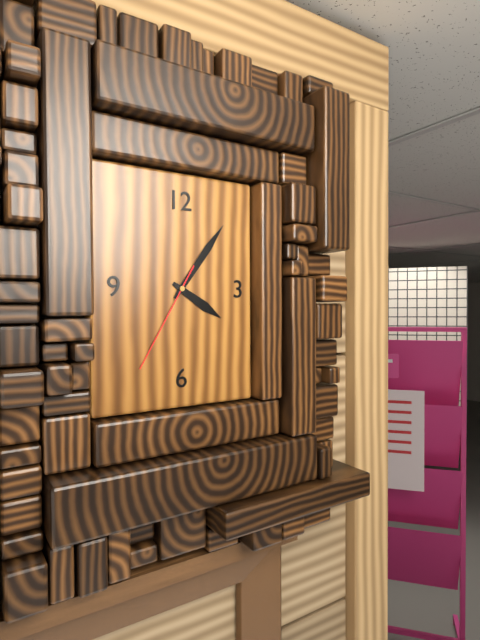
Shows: 4:06:35
